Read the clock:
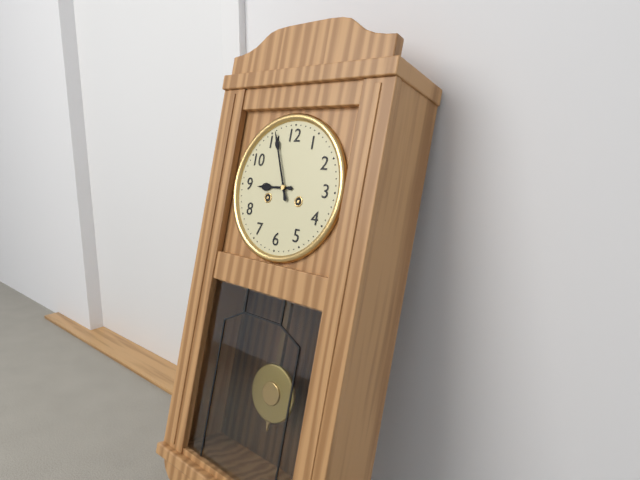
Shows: 8:56
